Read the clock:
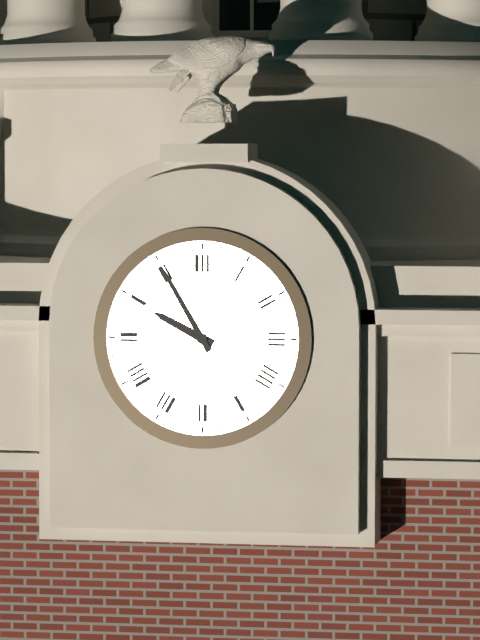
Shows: 9:55
